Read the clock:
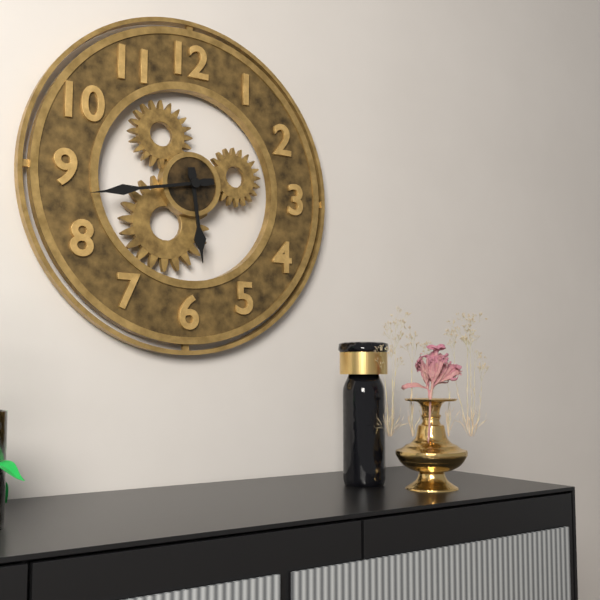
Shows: 5:43
